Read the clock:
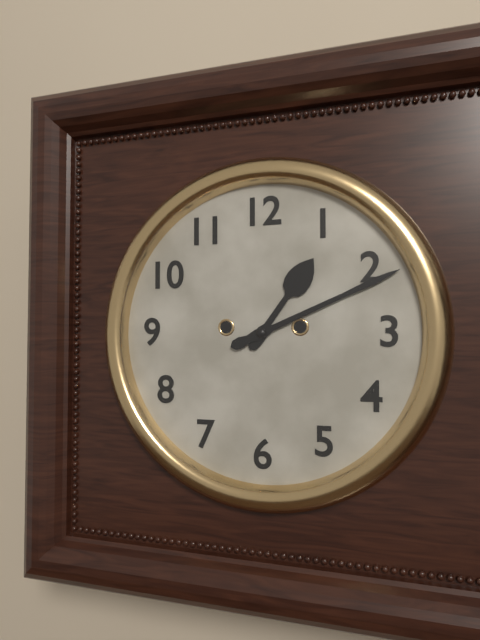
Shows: 1:11
